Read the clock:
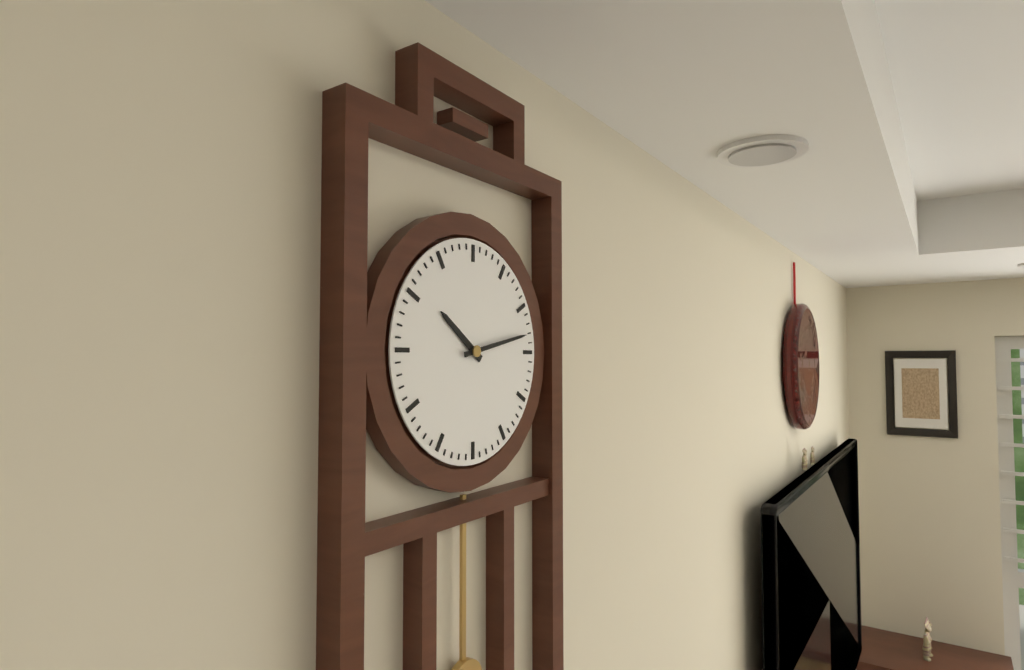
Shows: 10:13
